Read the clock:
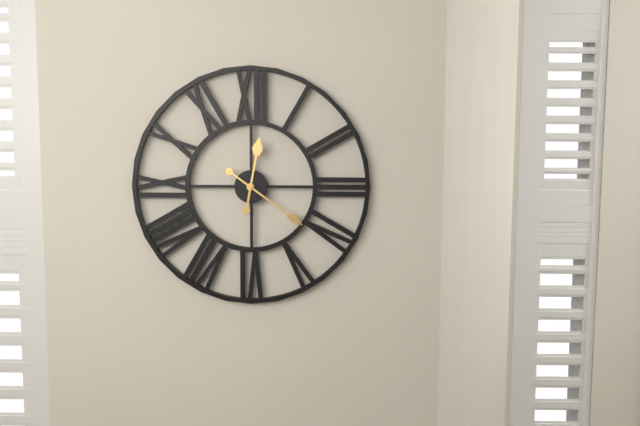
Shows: 12:21
